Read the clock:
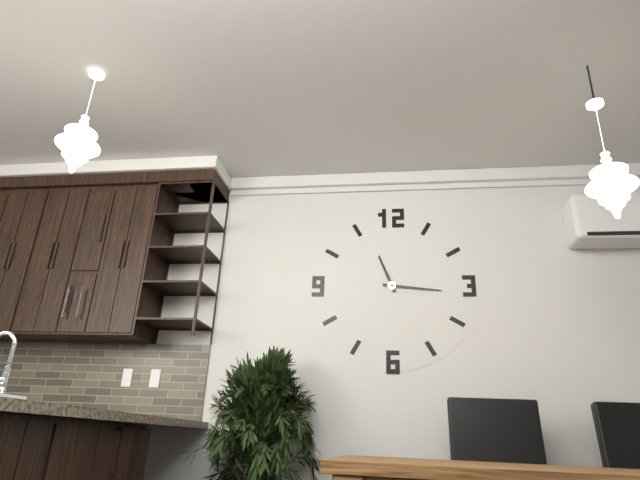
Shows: 11:16
